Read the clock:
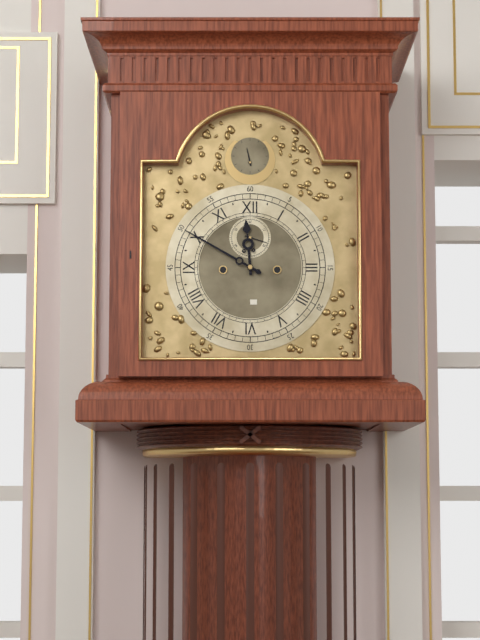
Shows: 11:50
